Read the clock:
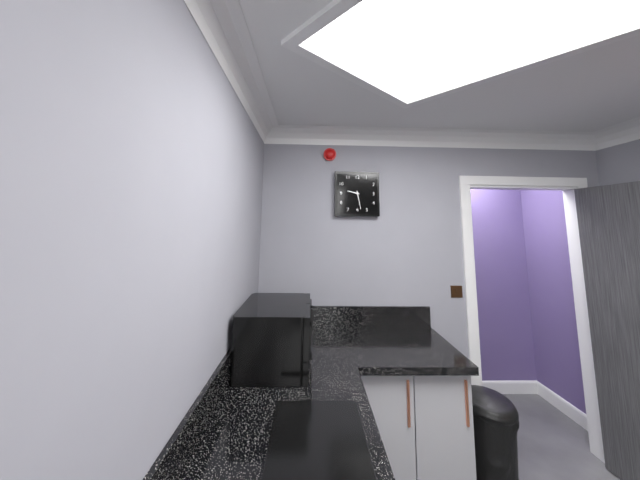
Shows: 9:28
